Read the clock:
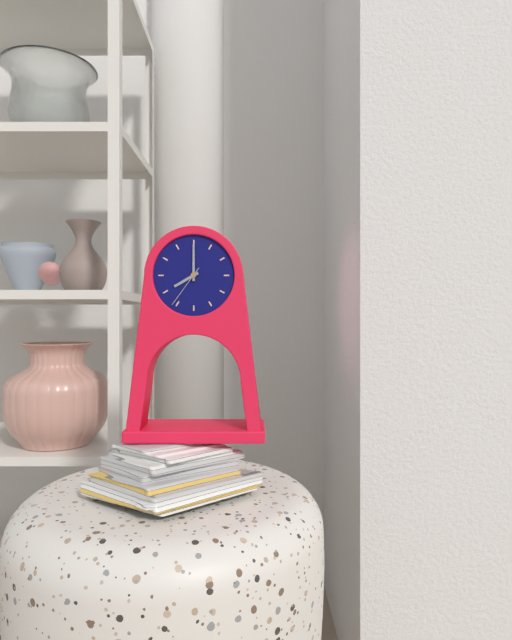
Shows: 8:00
